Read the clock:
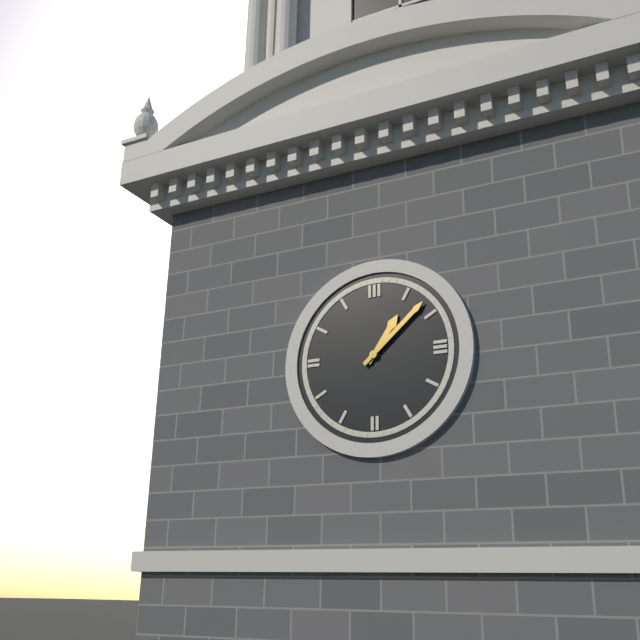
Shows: 1:08
